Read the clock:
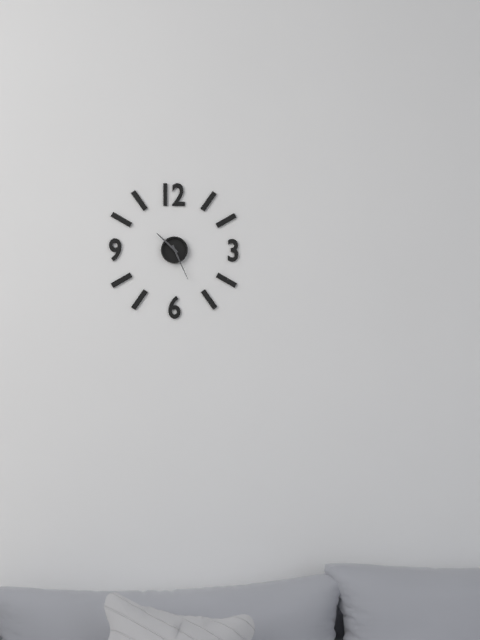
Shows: 10:26
